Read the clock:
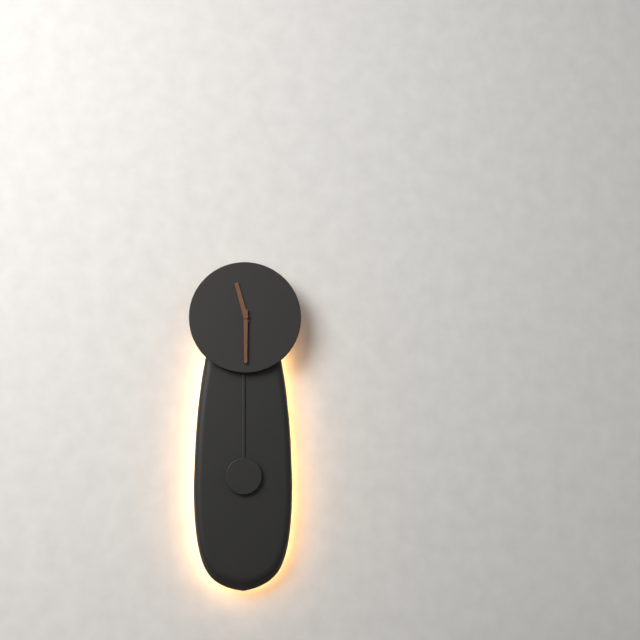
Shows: 11:30
